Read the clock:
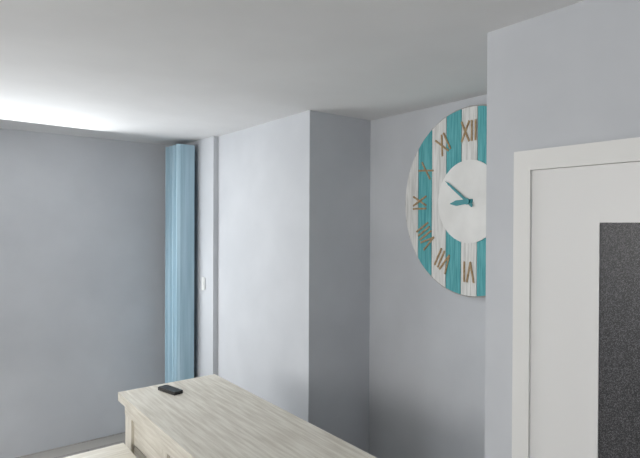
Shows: 8:51
